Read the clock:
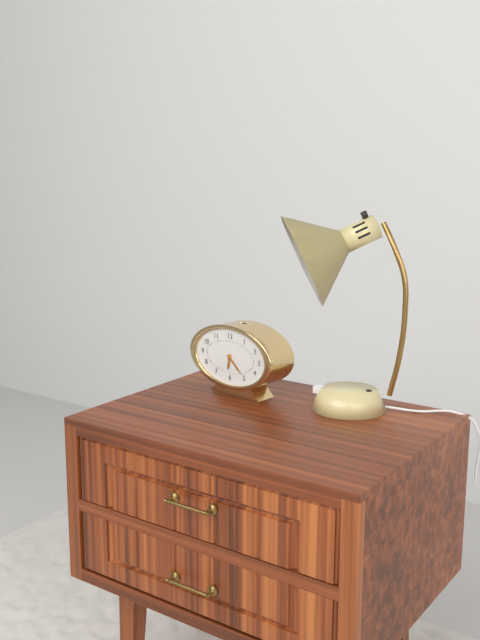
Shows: 6:22
